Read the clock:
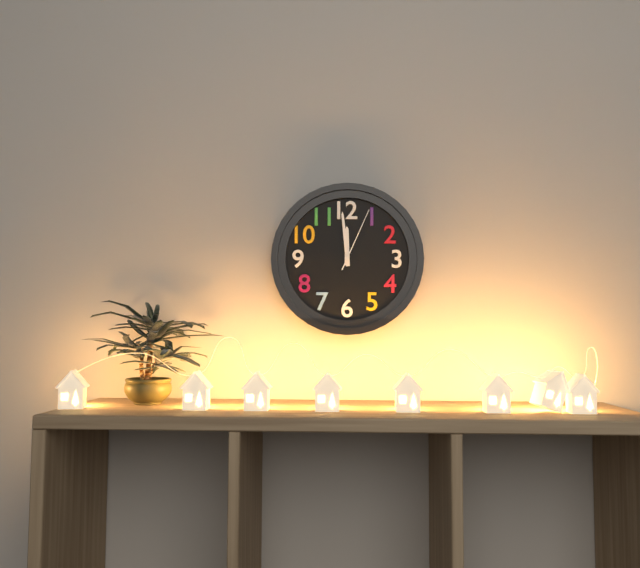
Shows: 11:59:04
